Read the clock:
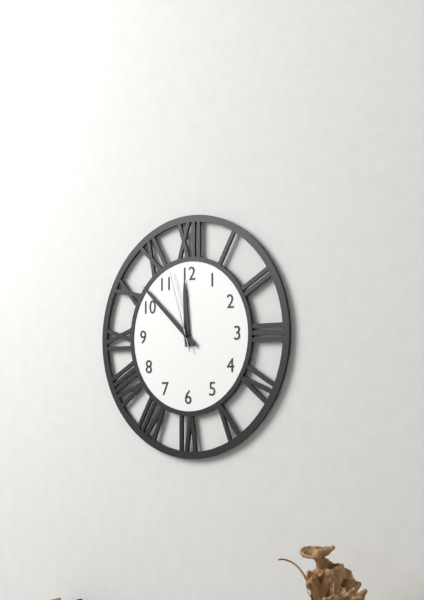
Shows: 11:52:57
